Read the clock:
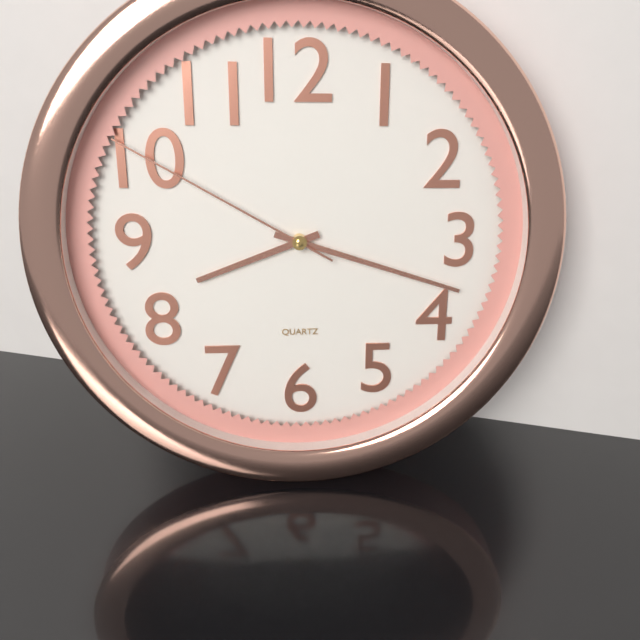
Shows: 8:18:50
